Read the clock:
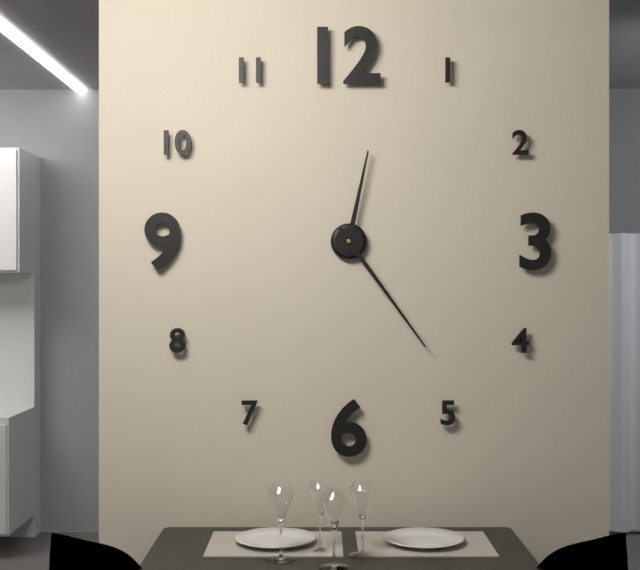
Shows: 12:24
